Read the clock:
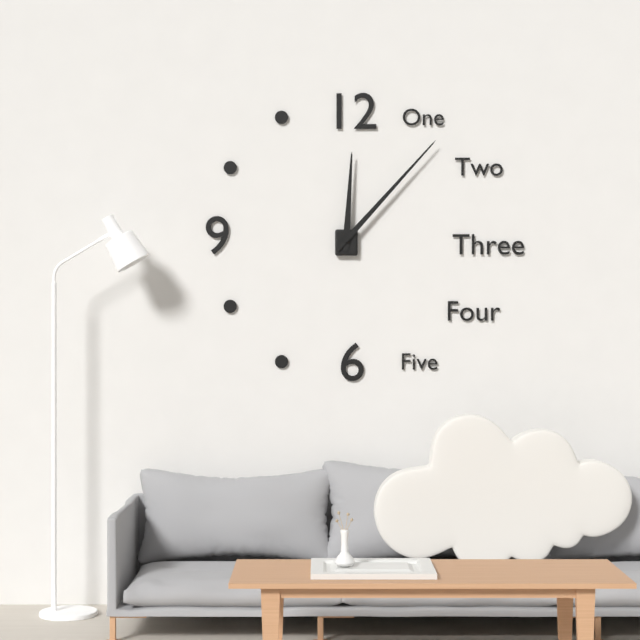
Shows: 12:07
